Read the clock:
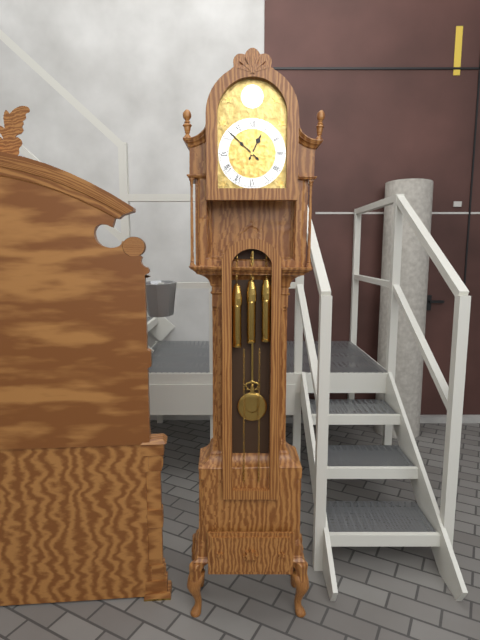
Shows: 12:52
